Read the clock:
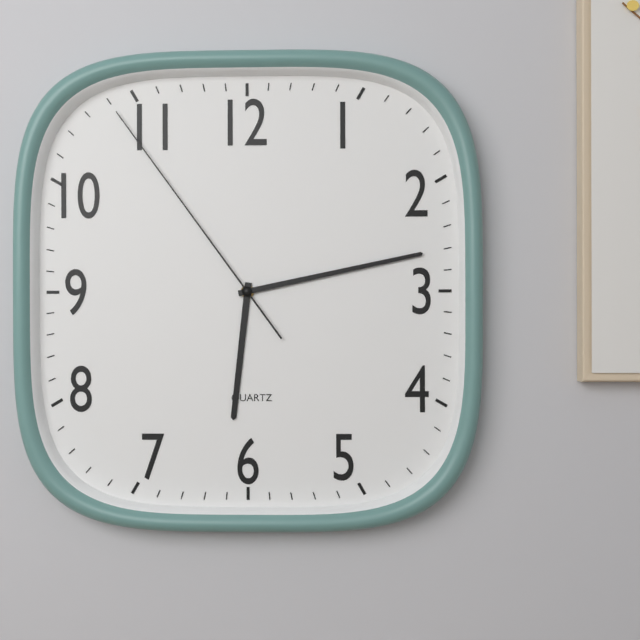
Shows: 6:13:54
